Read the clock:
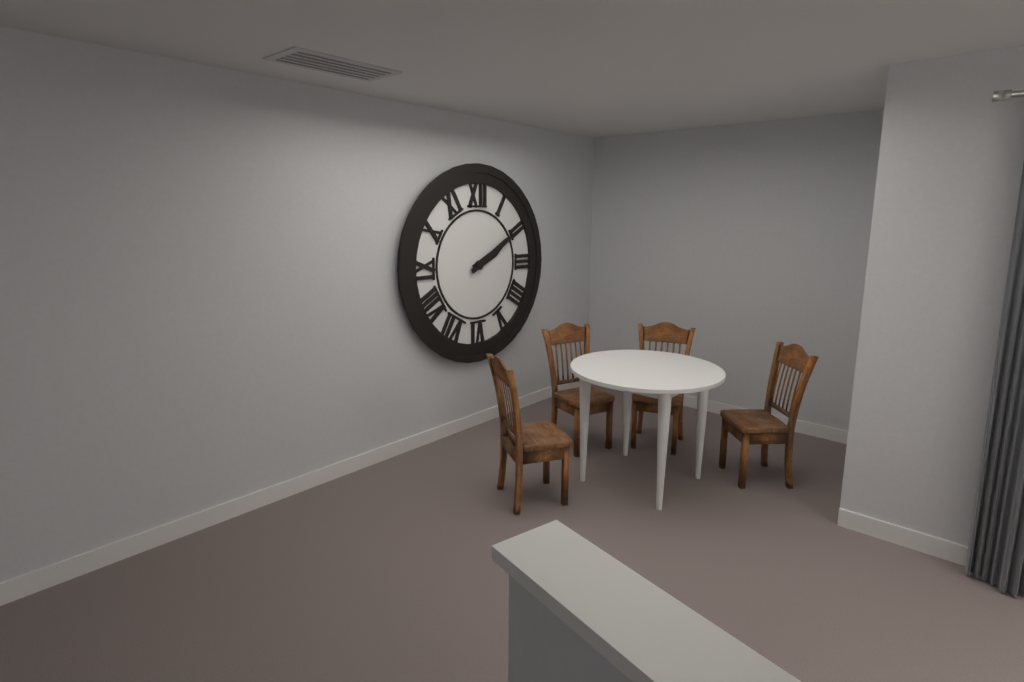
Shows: 2:10
